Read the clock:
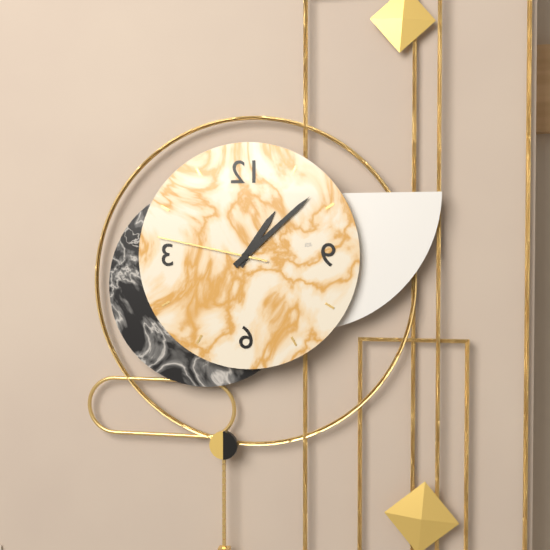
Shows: 1:08:47
